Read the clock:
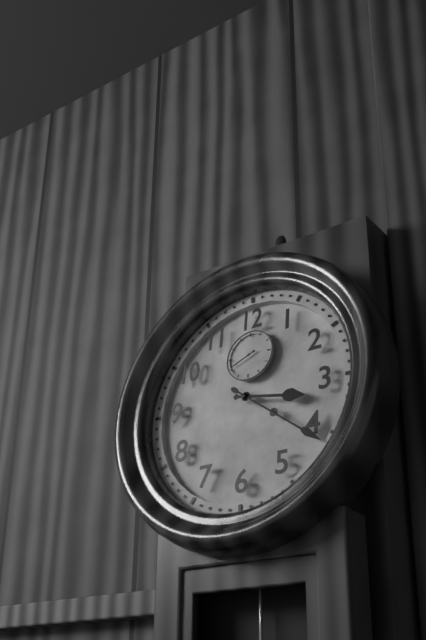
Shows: 3:21
